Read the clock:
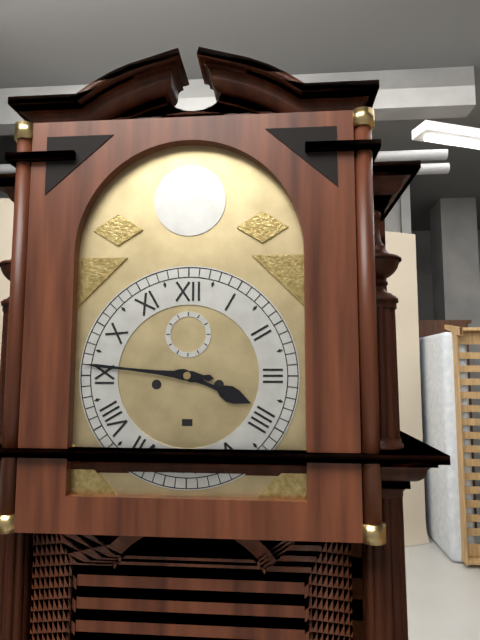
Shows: 3:46
